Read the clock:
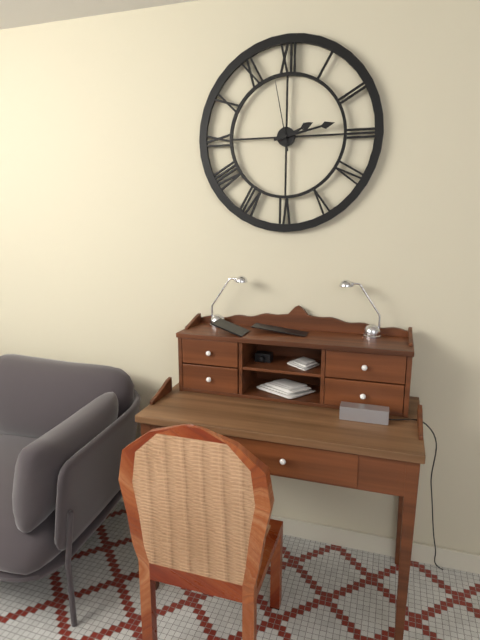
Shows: 2:13:58
